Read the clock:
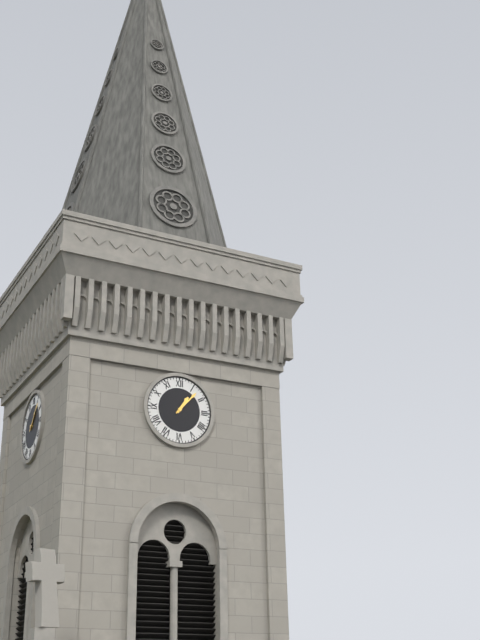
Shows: 1:07
